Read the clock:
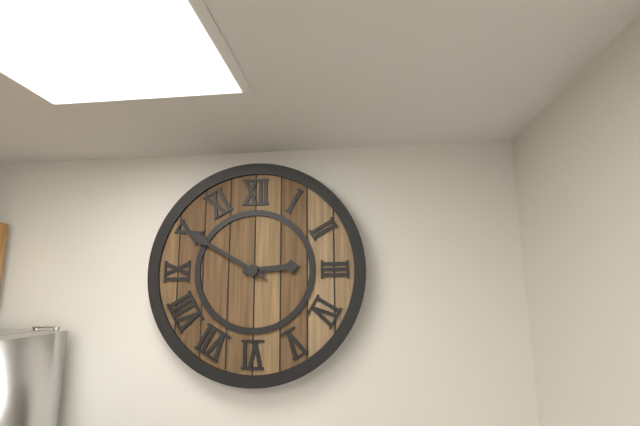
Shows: 2:50
